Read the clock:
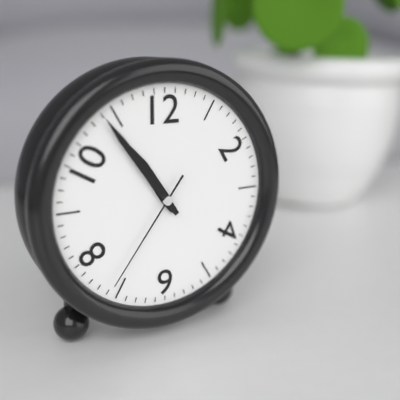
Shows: 10:54:36
